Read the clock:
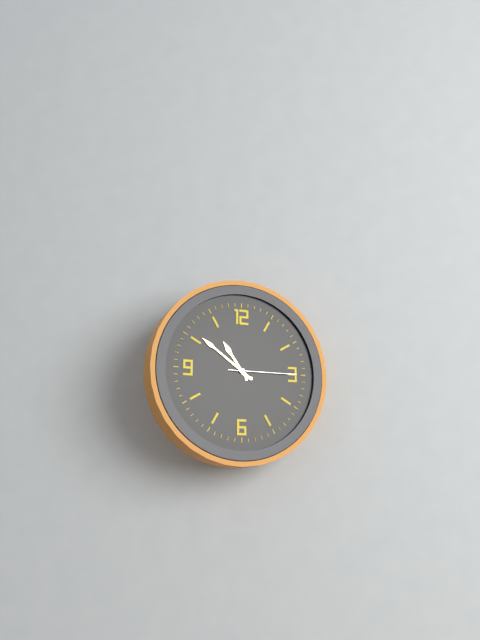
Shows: 10:51:15
